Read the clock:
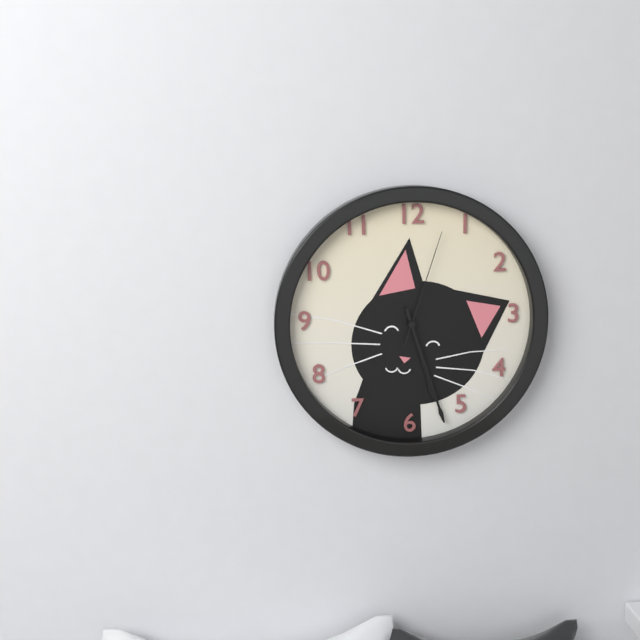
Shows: 5:27:03
